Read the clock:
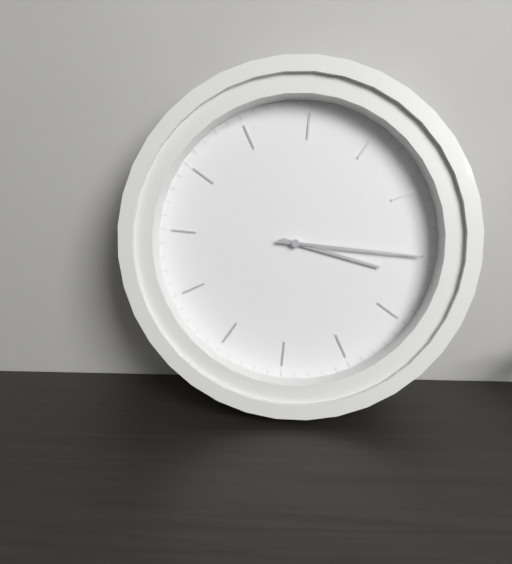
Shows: 4:20
